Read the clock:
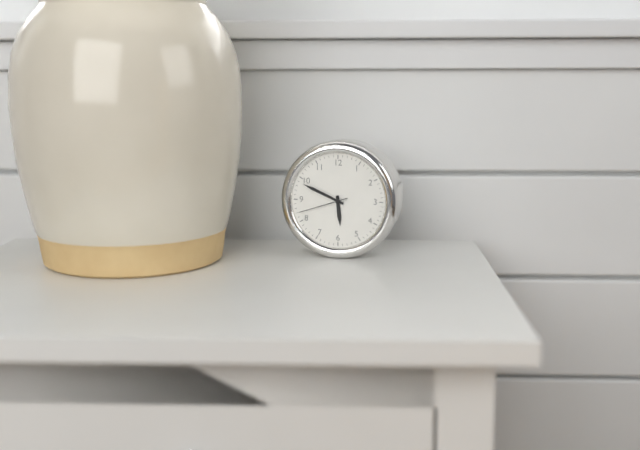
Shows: 5:49:42
